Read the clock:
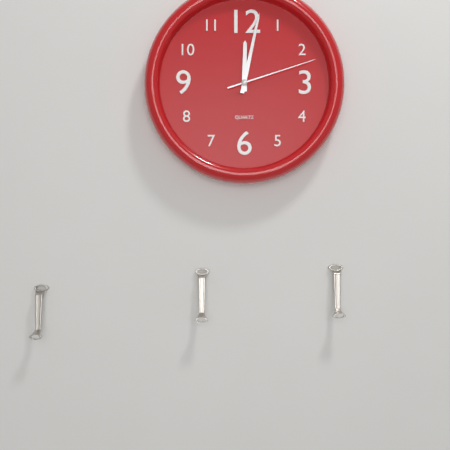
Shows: 12:02:12
